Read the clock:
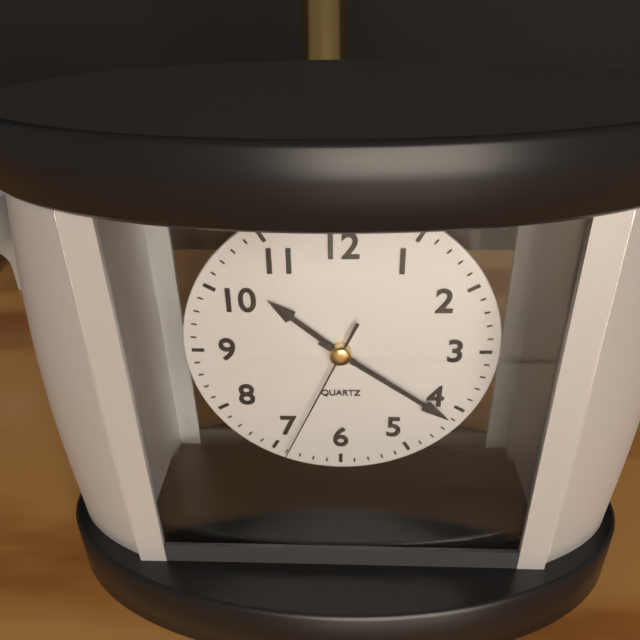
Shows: 10:21:34
